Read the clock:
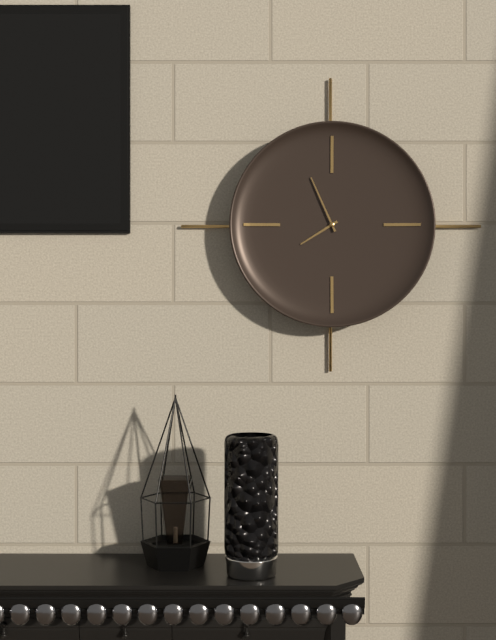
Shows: 7:56
